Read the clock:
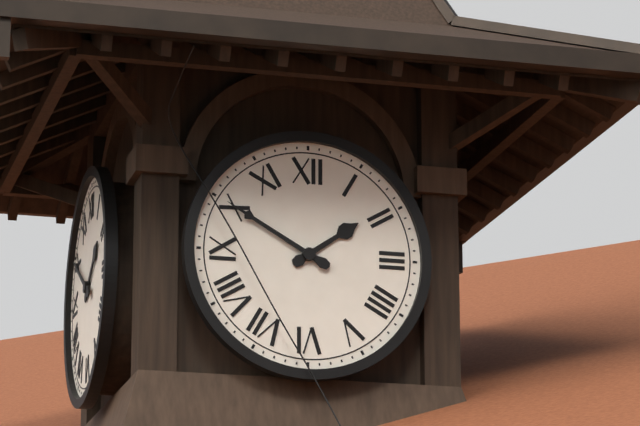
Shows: 1:50
